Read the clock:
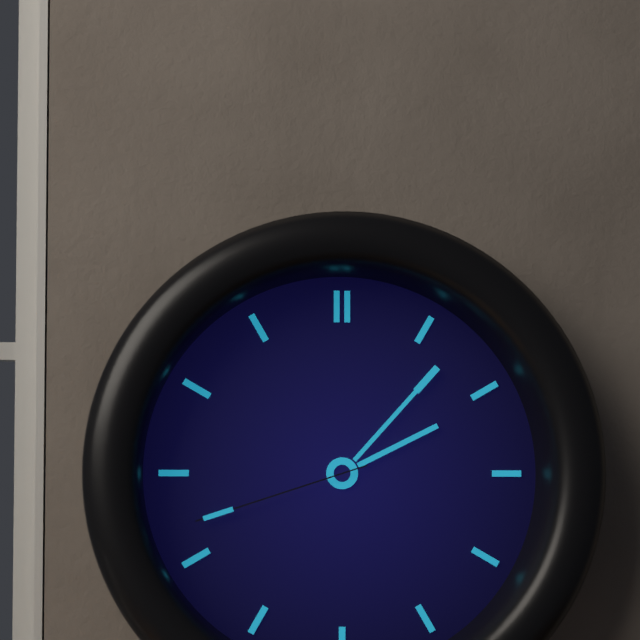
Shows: 2:07:42
